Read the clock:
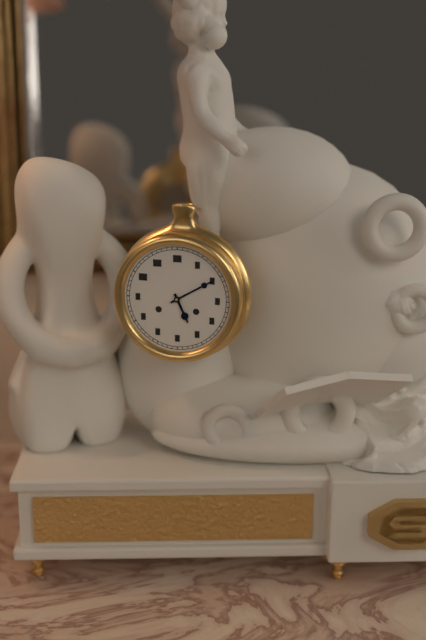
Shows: 5:10
